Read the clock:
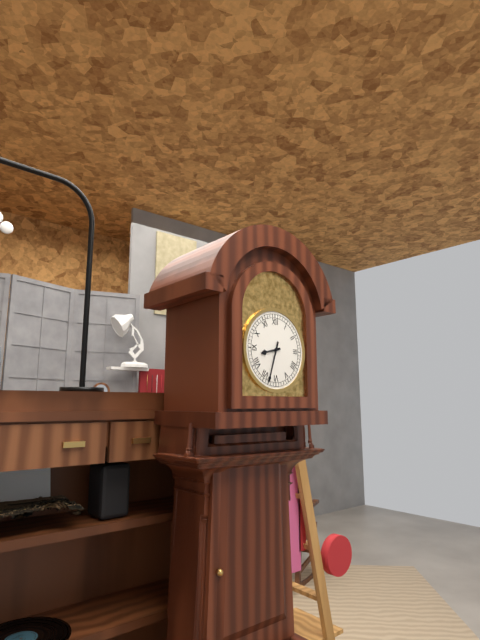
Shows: 8:33
